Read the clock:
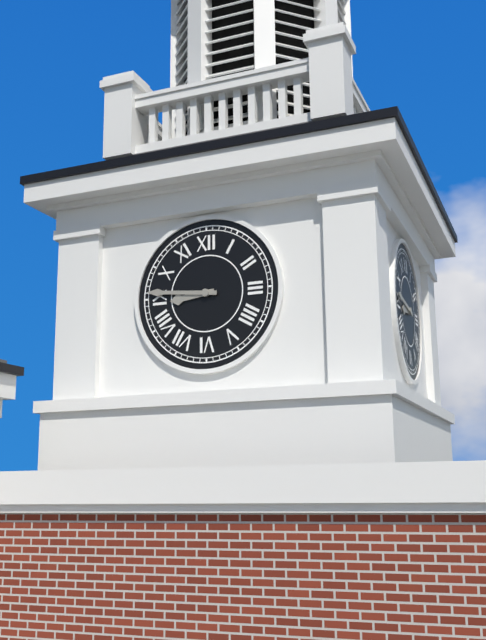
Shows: 8:46
